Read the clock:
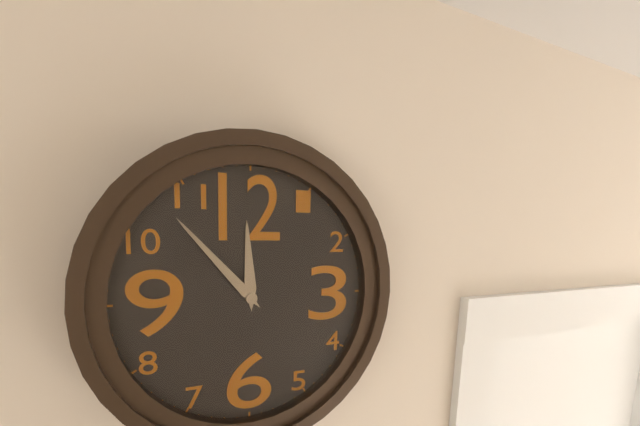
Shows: 11:53
